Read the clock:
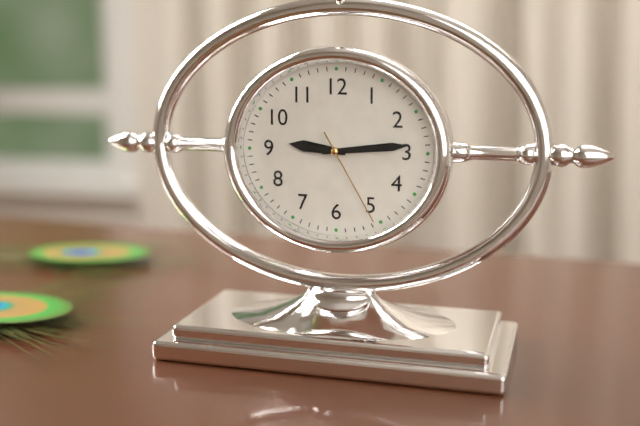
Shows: 9:14:25
